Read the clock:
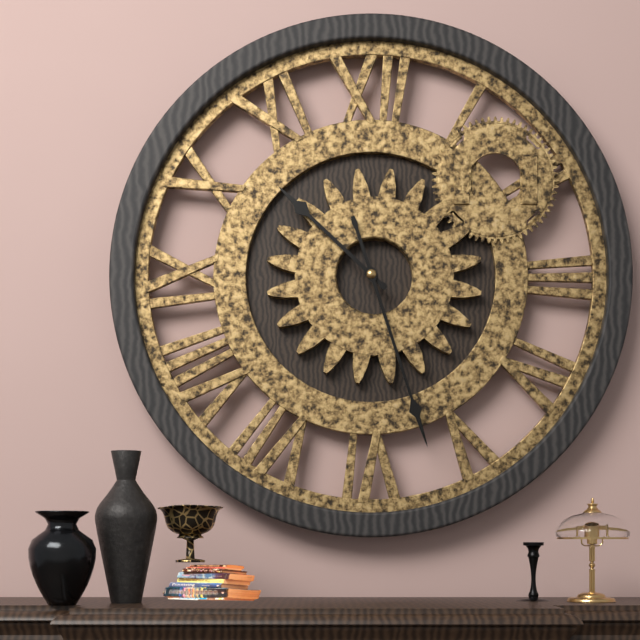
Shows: 10:27
